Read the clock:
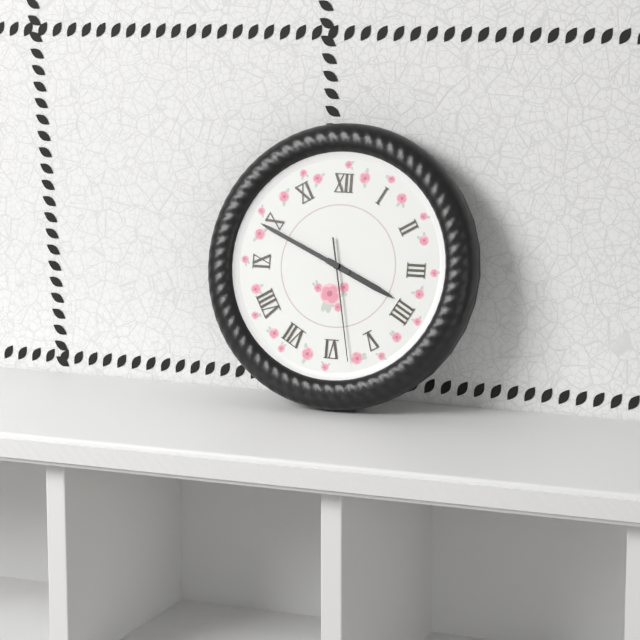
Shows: 3:49:28
